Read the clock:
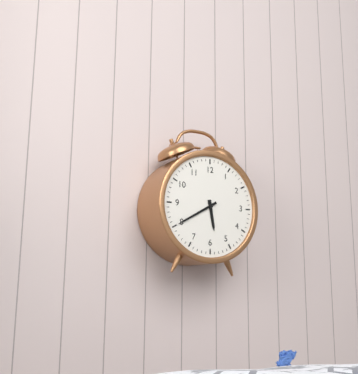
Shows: 5:40
